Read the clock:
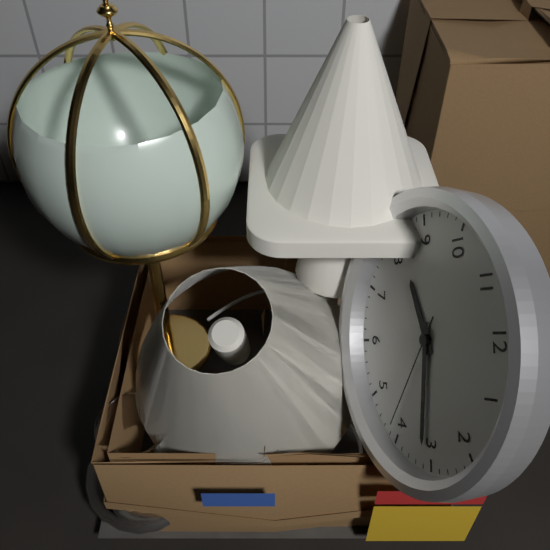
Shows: 8:16:21
